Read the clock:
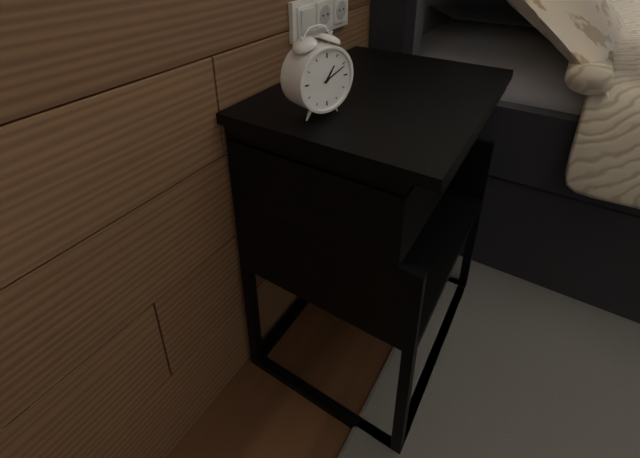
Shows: 1:11
